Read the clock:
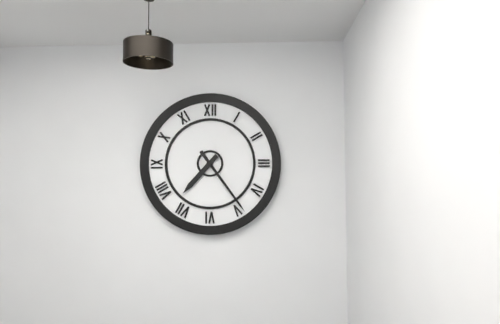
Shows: 7:24
